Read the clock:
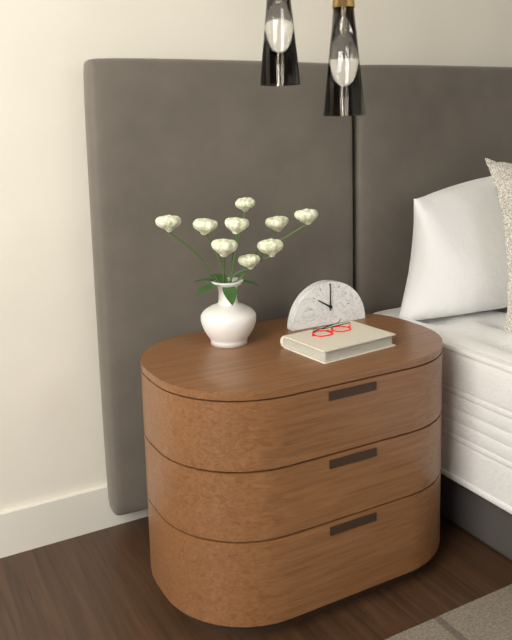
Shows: 10:00
